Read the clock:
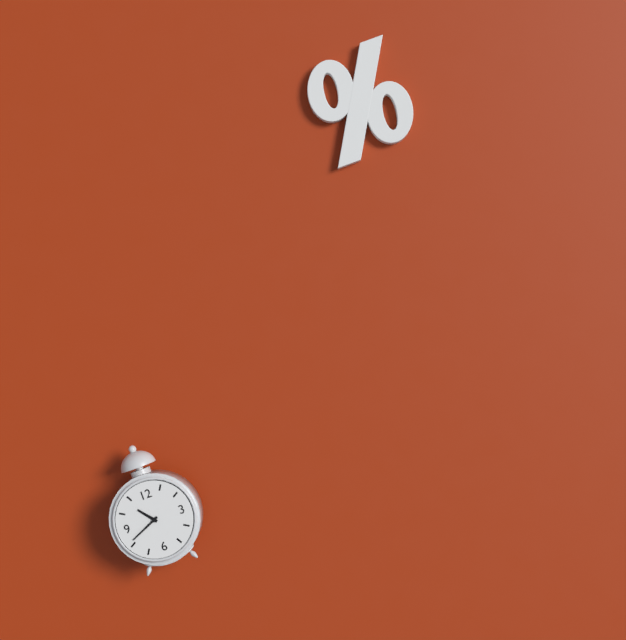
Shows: 10:41
